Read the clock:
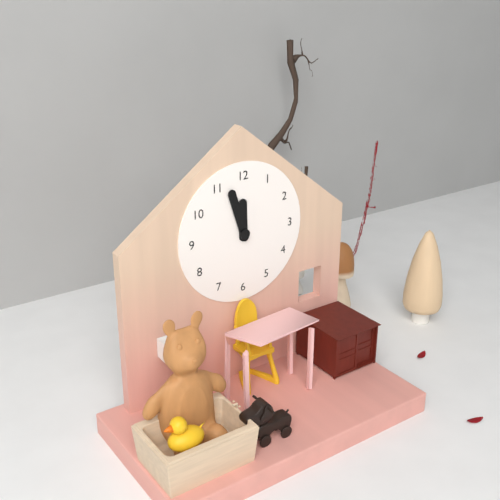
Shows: 11:57
